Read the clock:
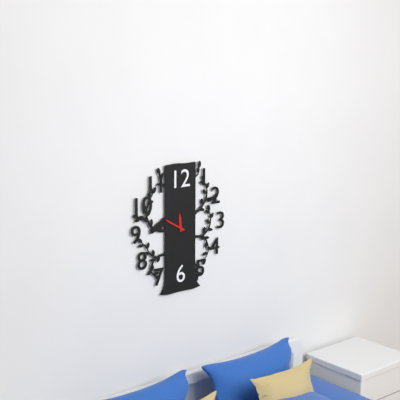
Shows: 11:50
